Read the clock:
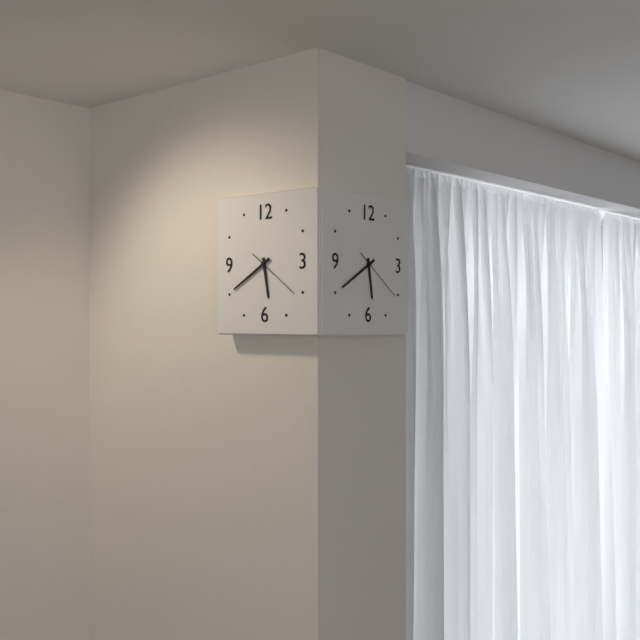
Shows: 5:40:21
